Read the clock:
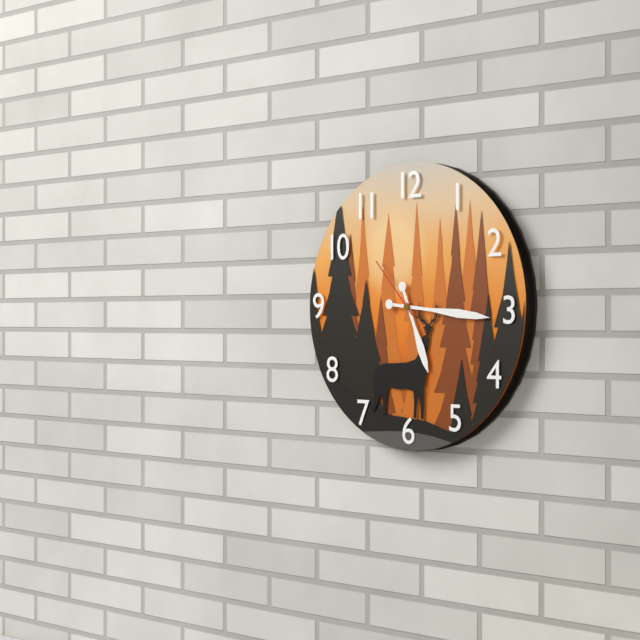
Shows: 5:16:53
